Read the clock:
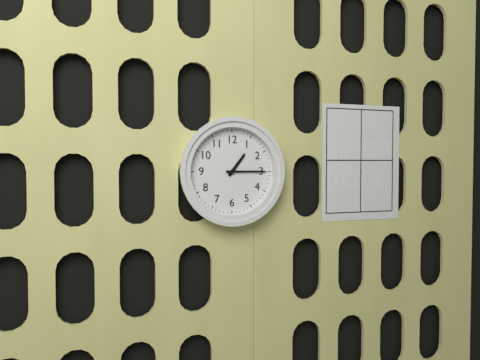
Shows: 1:15
